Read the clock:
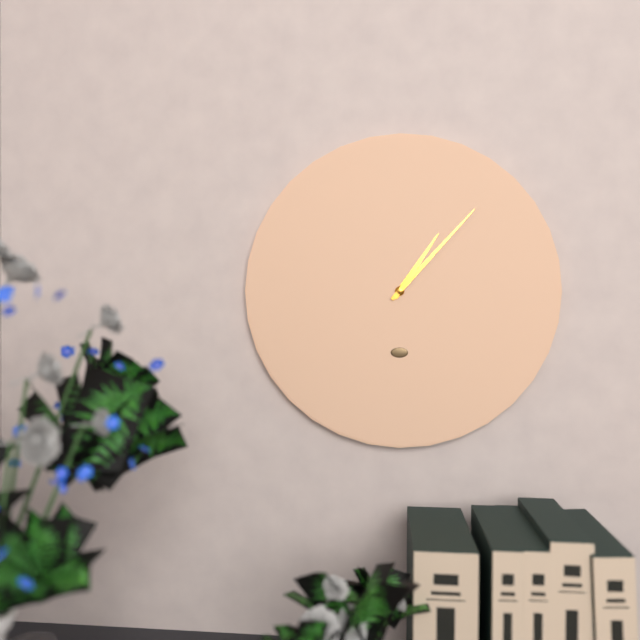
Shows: 1:07
